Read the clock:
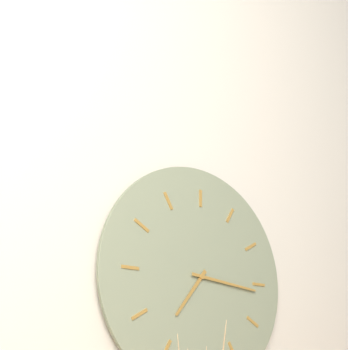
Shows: 7:16
